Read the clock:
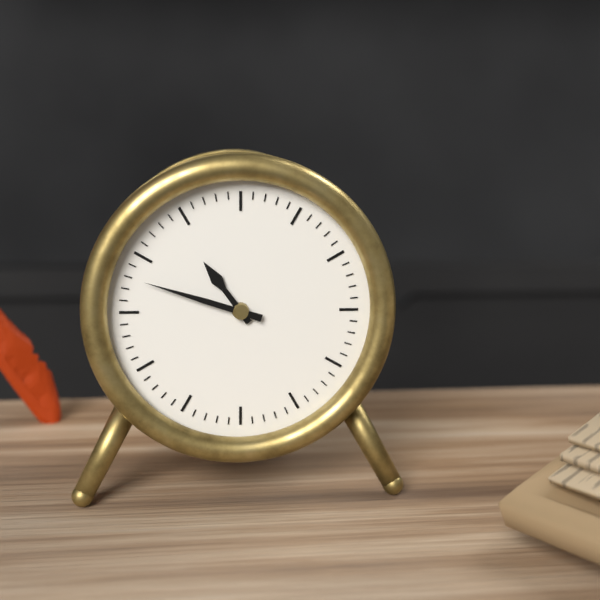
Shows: 10:48
